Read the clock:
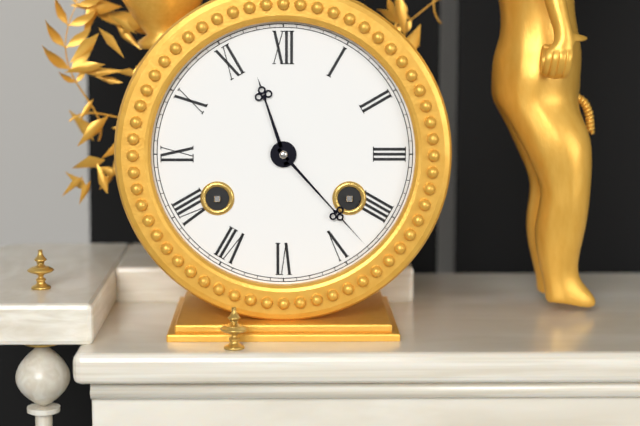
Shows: 11:23
